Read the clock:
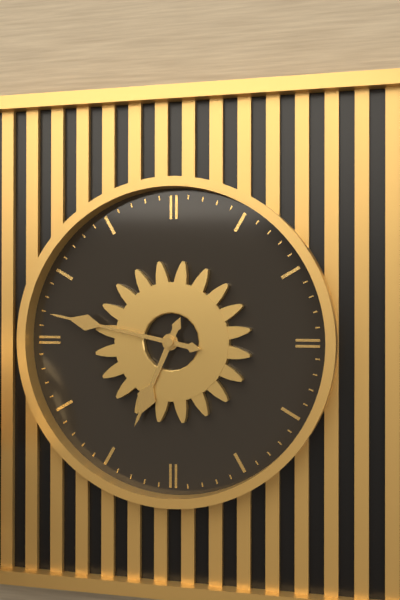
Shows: 6:47
